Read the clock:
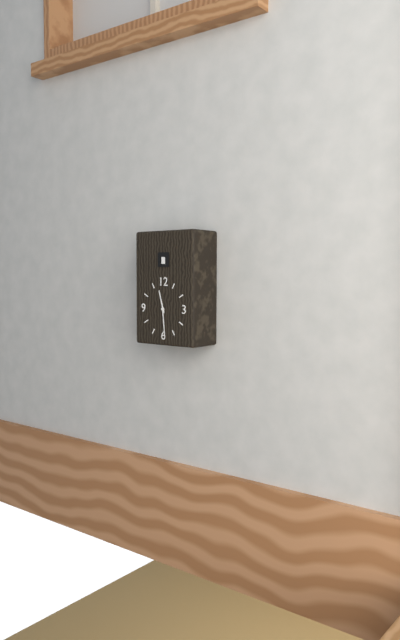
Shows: 11:29
